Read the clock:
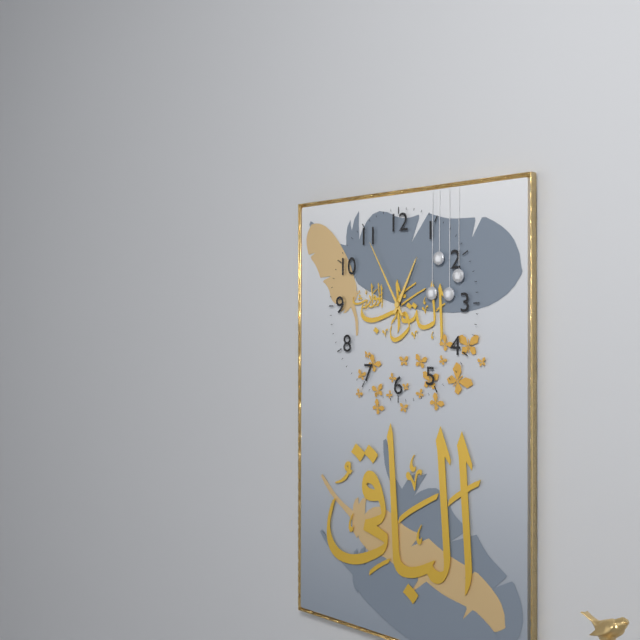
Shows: 12:55
